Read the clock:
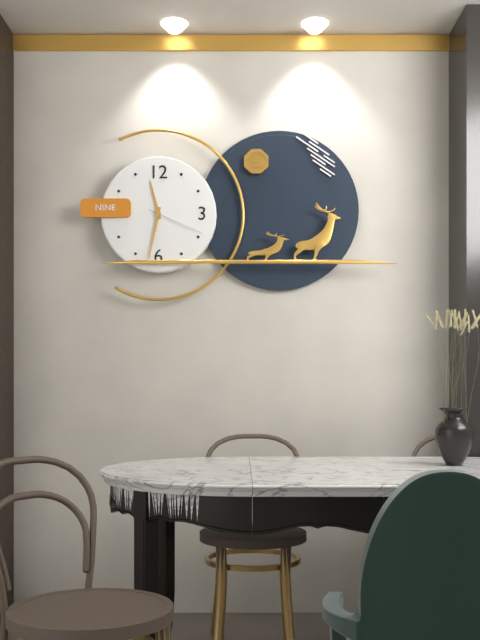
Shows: 11:32:19
